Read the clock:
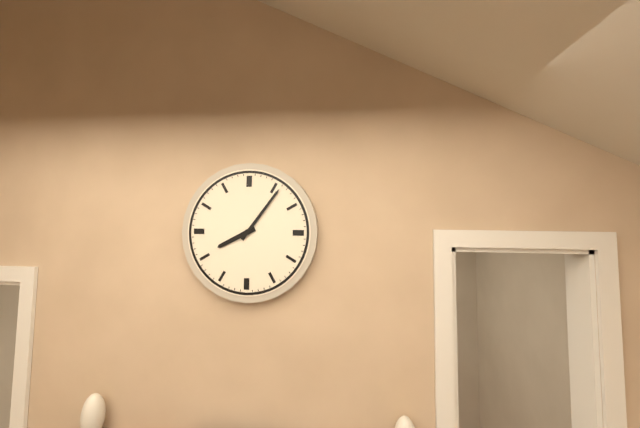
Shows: 8:06
